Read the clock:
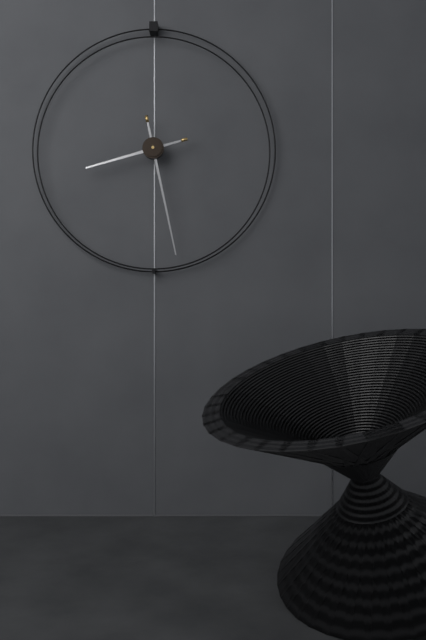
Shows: 8:28
